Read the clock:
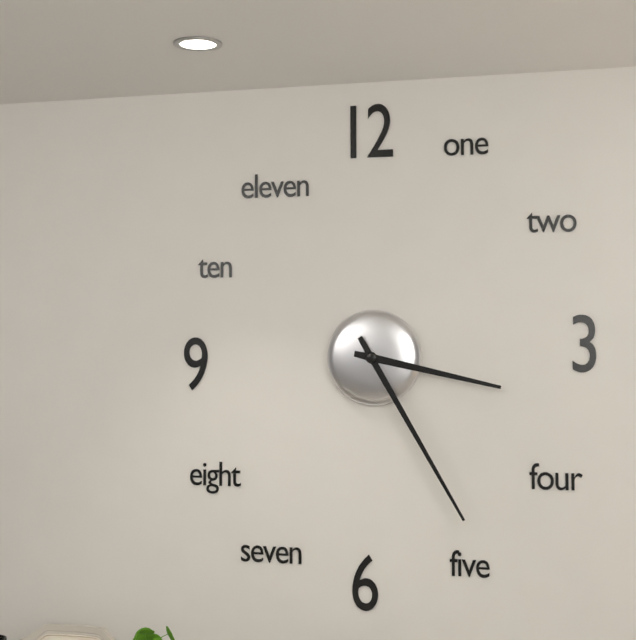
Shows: 3:25
